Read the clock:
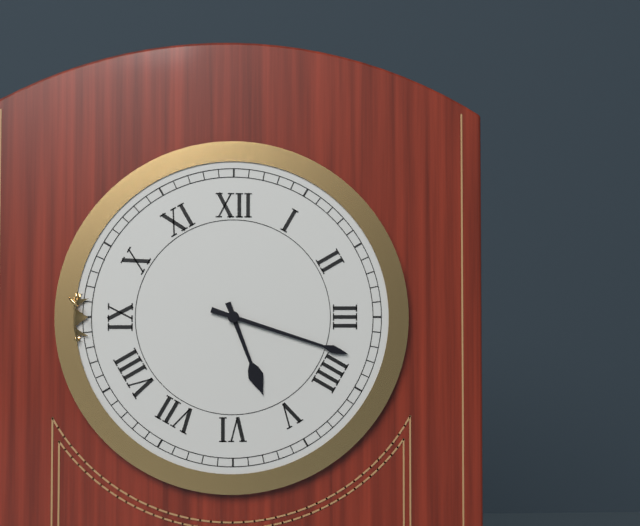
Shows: 5:18
